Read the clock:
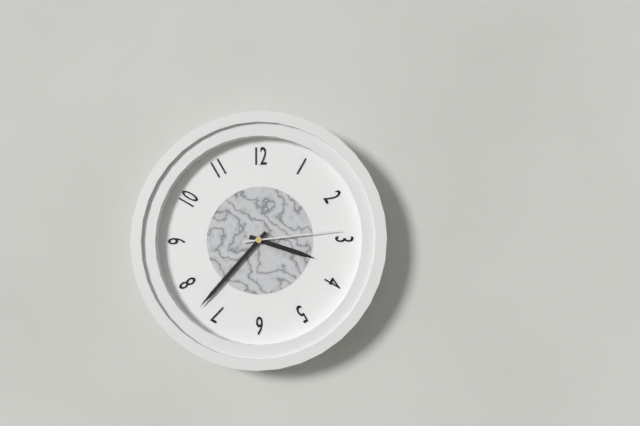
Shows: 3:37:14
